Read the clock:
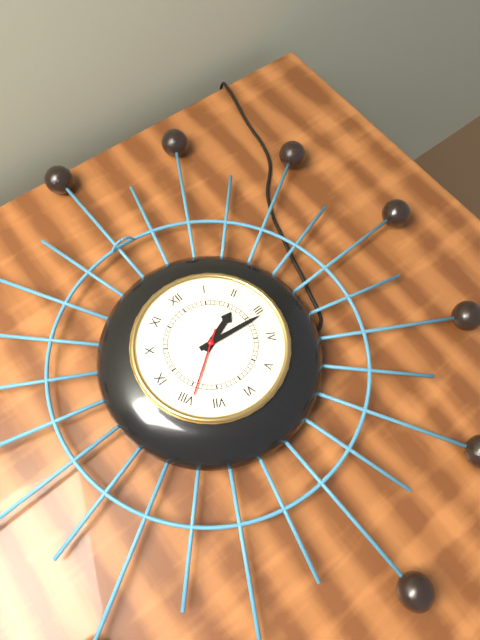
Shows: 2:16:39
